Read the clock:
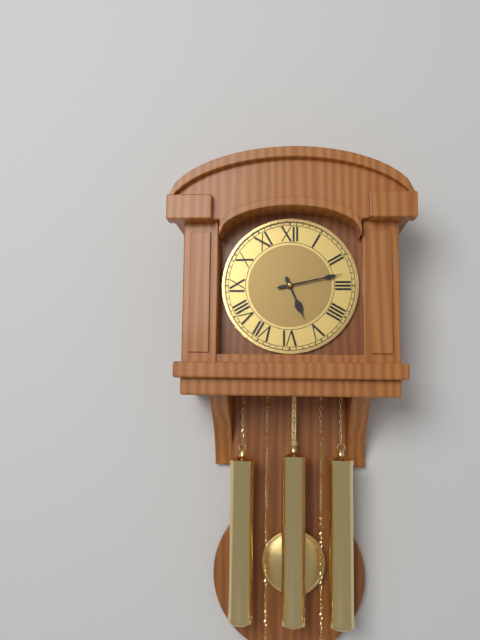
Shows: 5:13
